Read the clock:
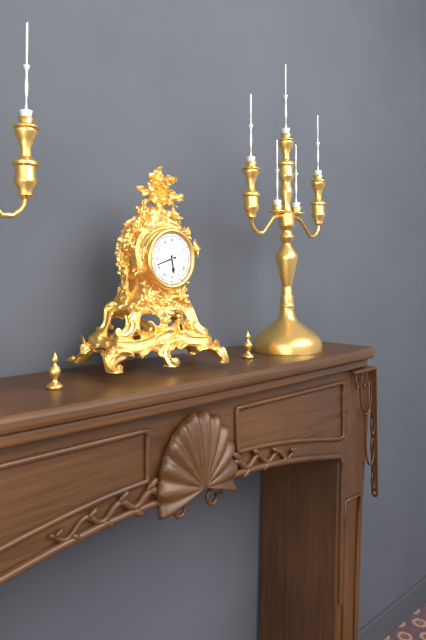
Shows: 5:42
